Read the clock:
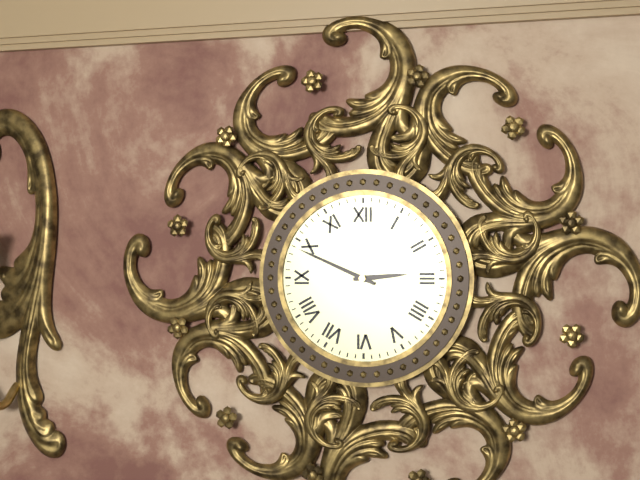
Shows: 2:49
